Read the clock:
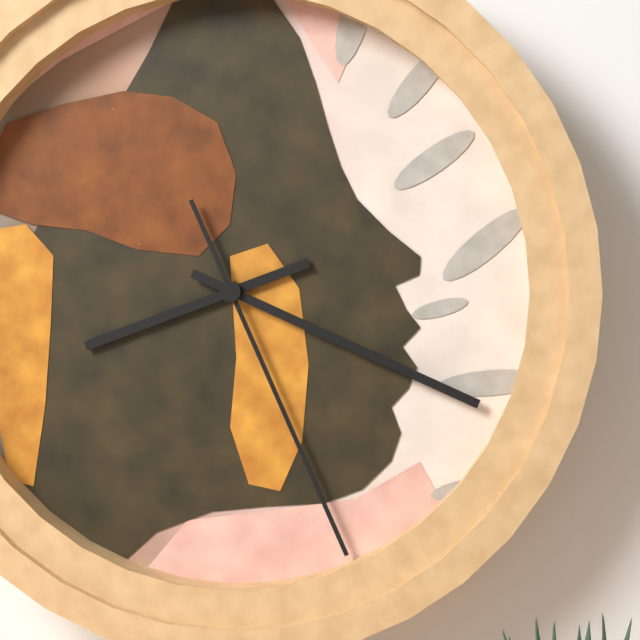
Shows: 8:19:26
